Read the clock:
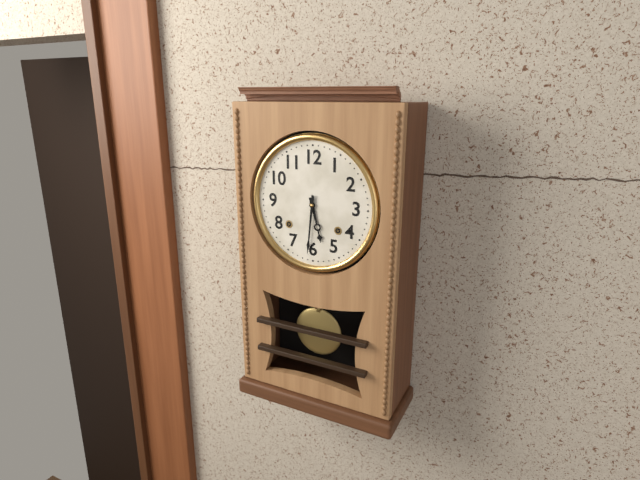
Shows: 5:31
